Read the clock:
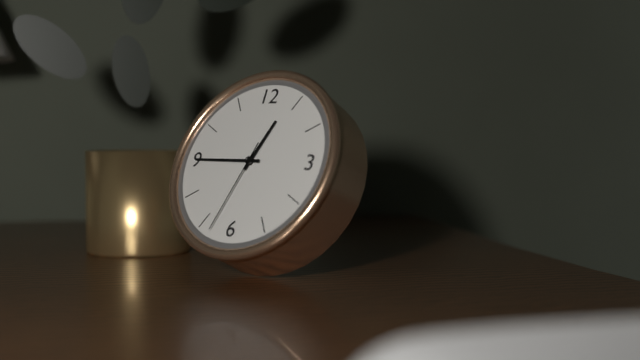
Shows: 12:45:33
